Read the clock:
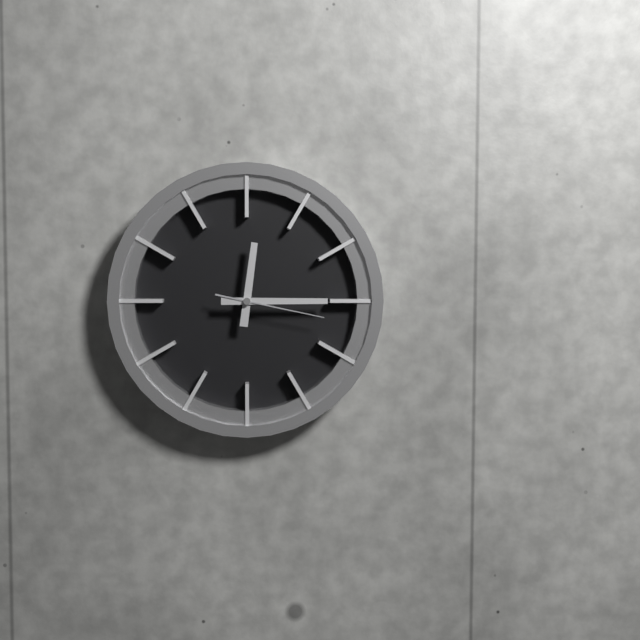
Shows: 12:15:17
